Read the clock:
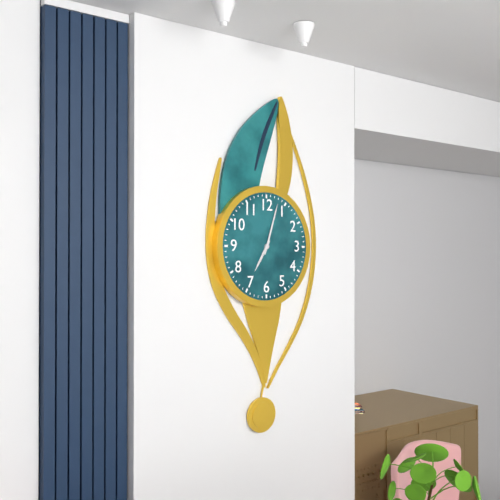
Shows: 7:03
